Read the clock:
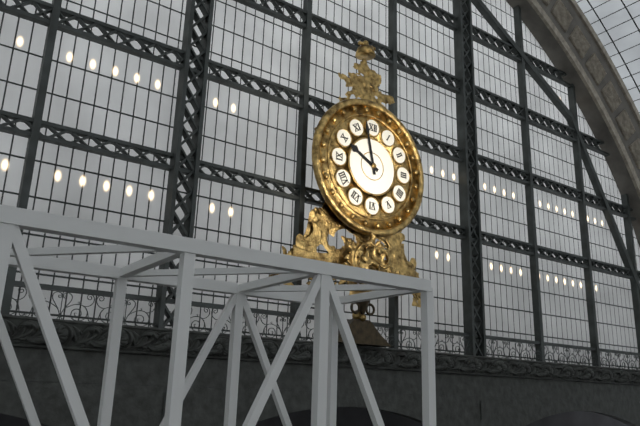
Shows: 9:58
